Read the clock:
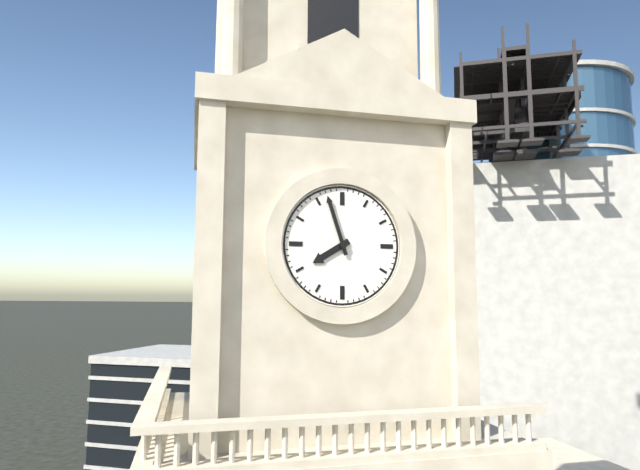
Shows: 7:57
